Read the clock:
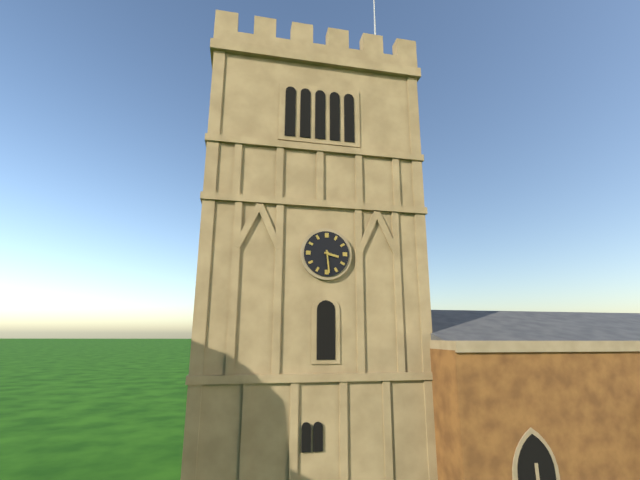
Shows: 3:29
